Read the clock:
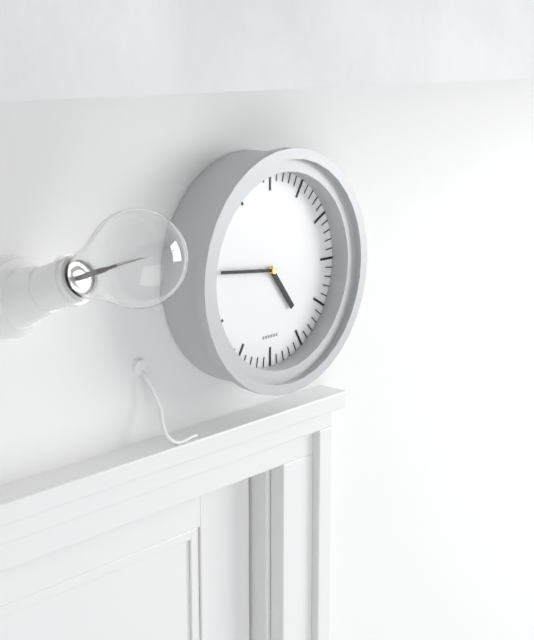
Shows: 4:46
